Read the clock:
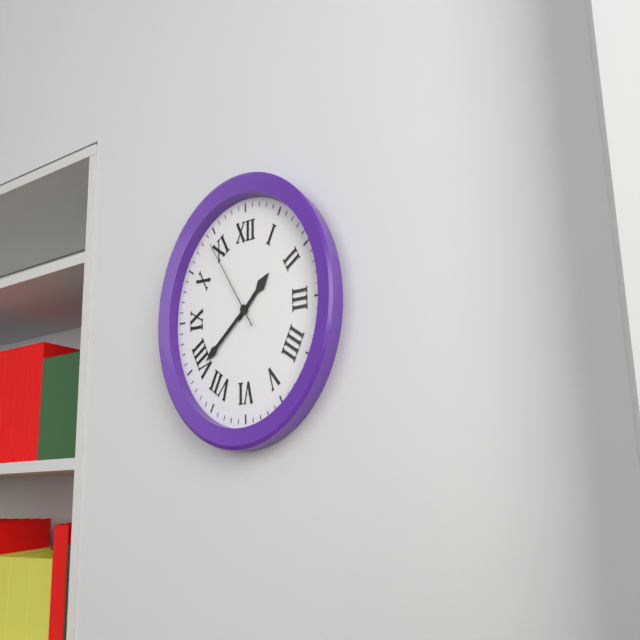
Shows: 1:39:54
